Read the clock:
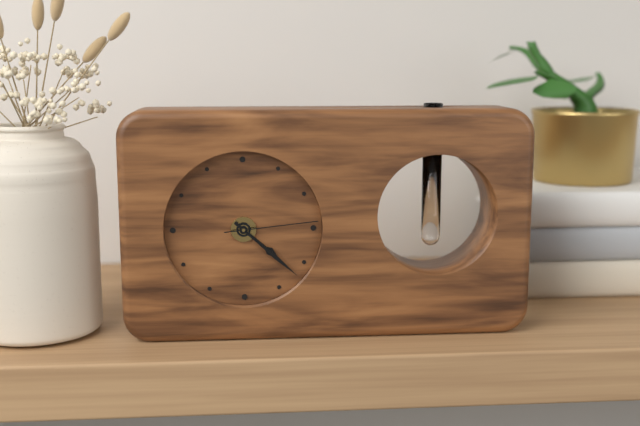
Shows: 4:22:14
